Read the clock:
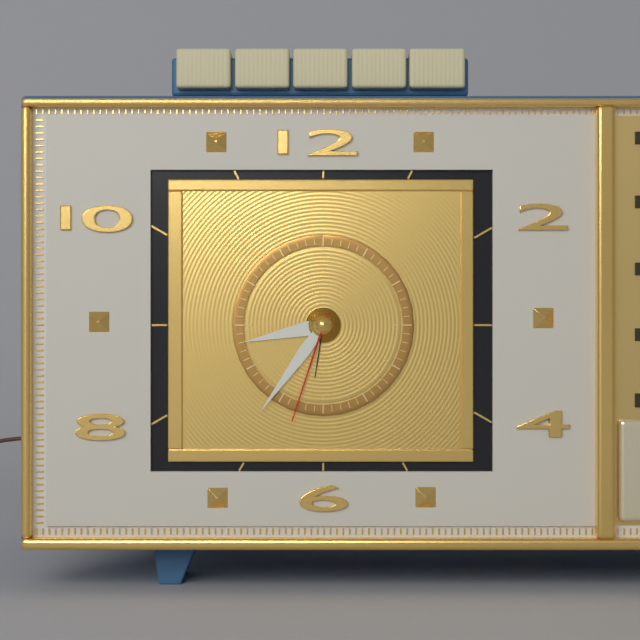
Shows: 8:36:33
